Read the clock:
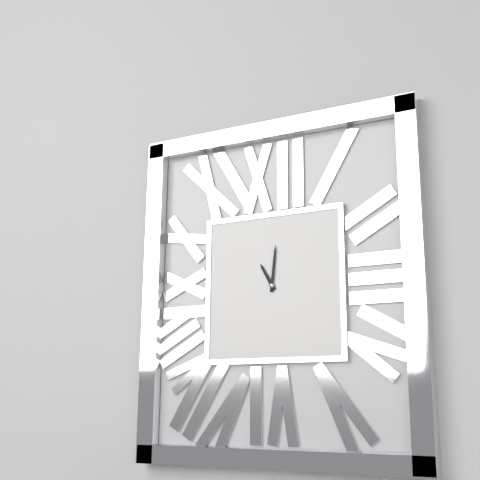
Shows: 11:01
